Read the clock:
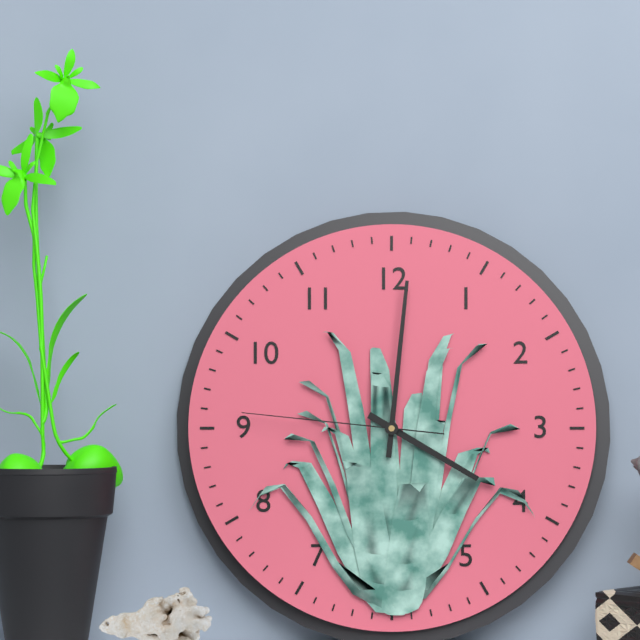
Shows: 4:01:46
